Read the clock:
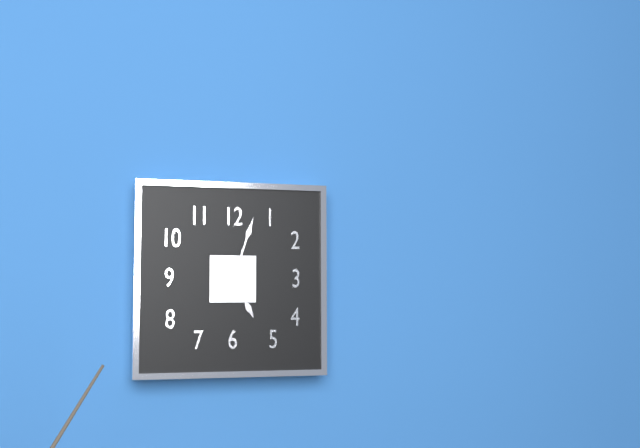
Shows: 5:03
